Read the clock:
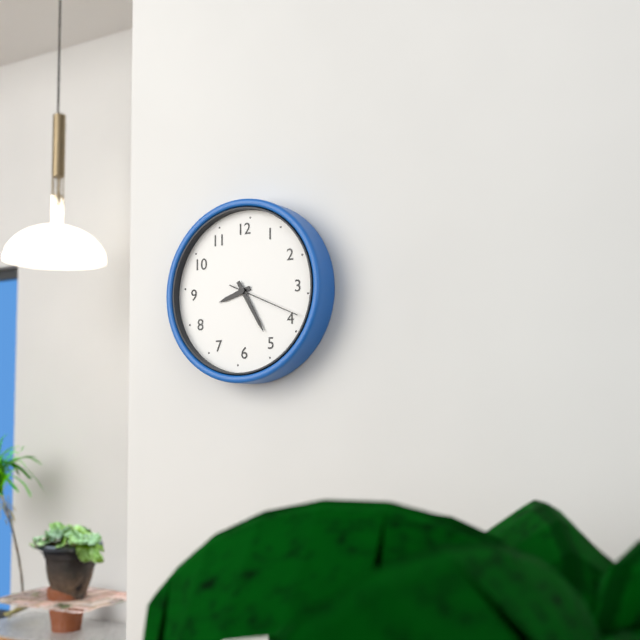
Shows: 8:25:19
